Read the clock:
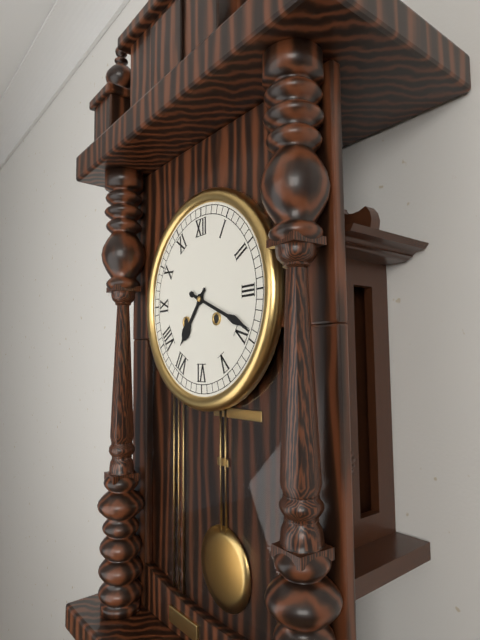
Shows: 7:19
